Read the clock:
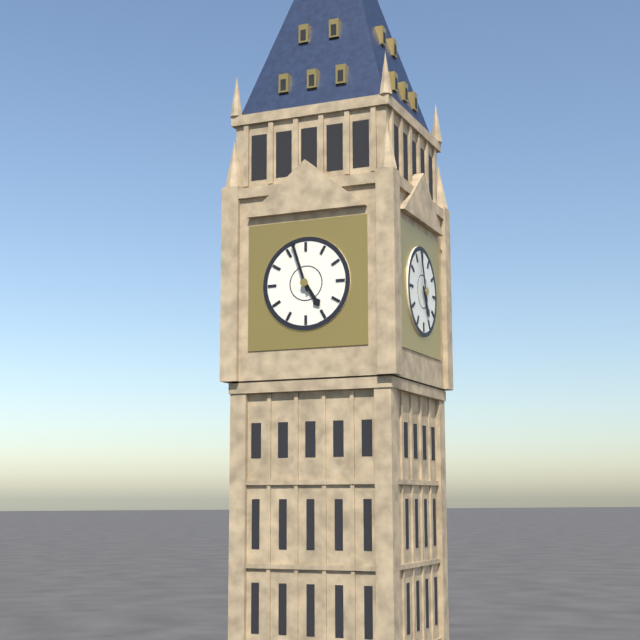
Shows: 4:57
